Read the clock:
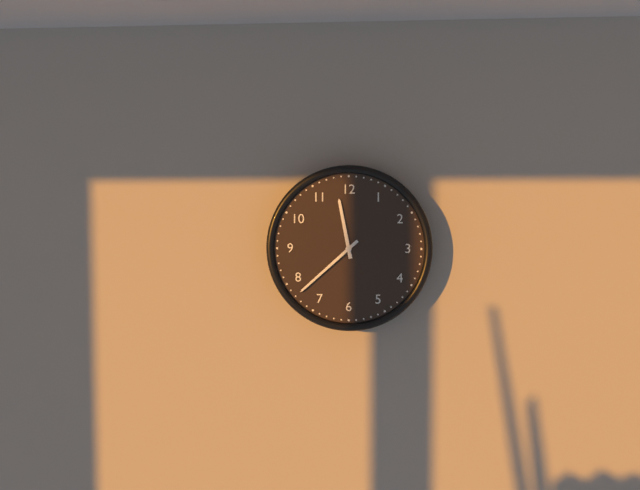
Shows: 11:38
